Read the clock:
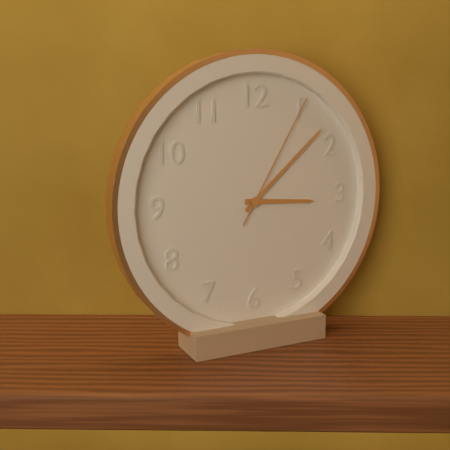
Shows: 3:08:05
